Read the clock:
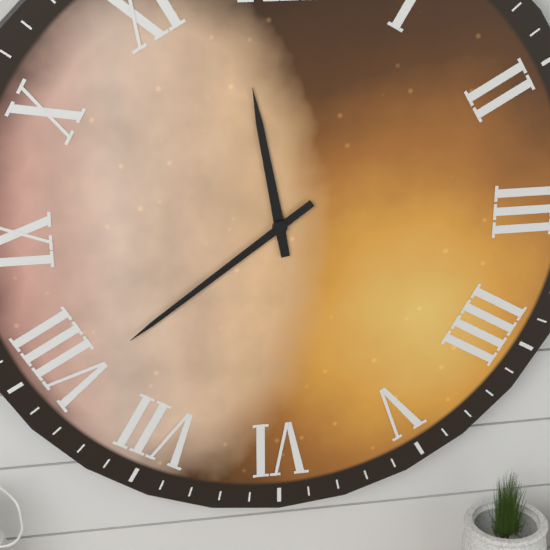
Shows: 11:39
